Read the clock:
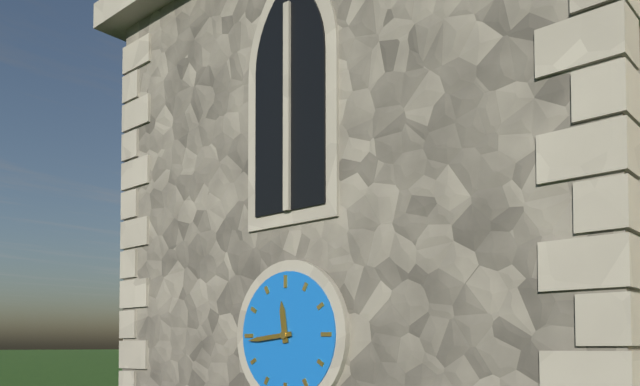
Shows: 11:44
